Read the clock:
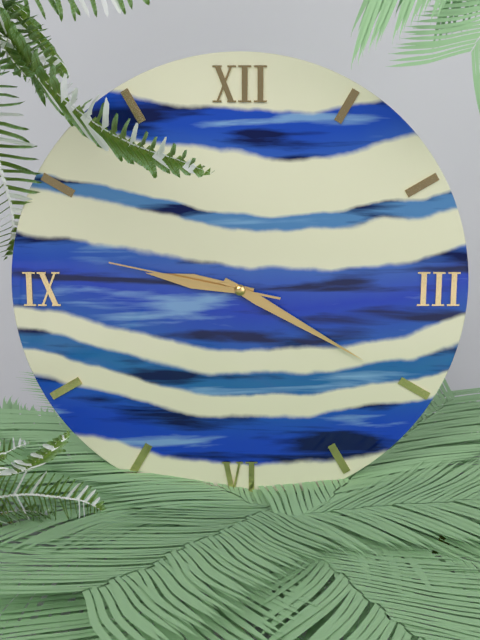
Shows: 9:20:47
